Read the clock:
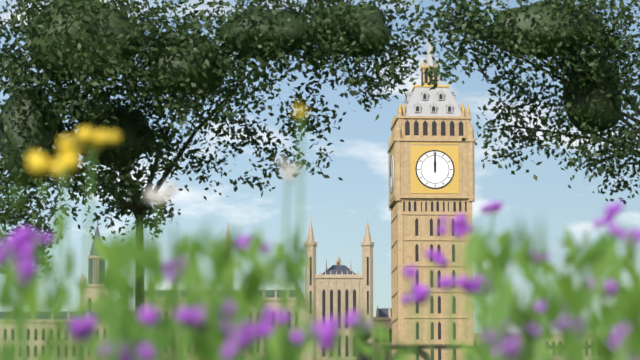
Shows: 12:00
